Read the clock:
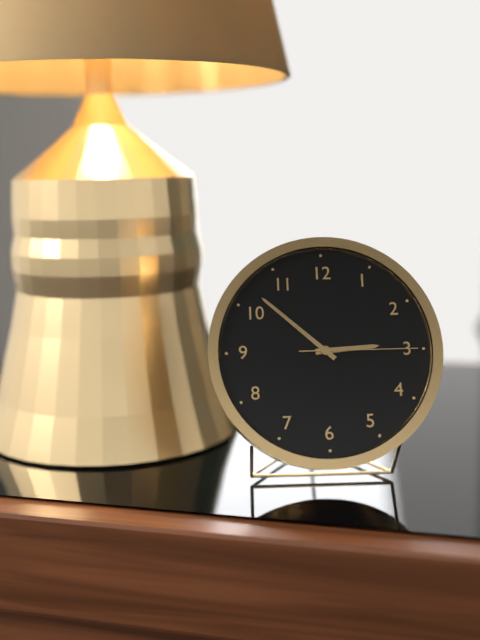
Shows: 2:52:15
